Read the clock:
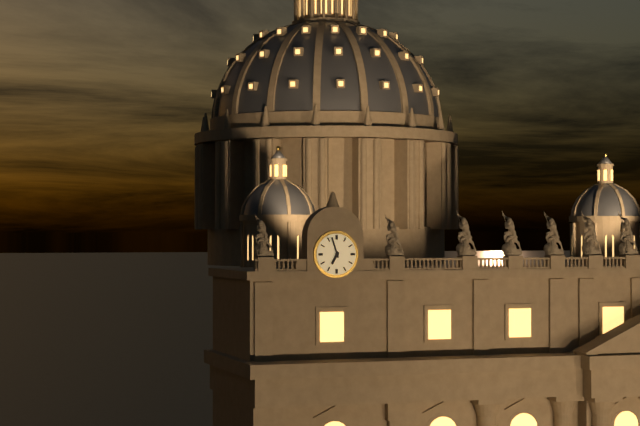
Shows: 6:57
